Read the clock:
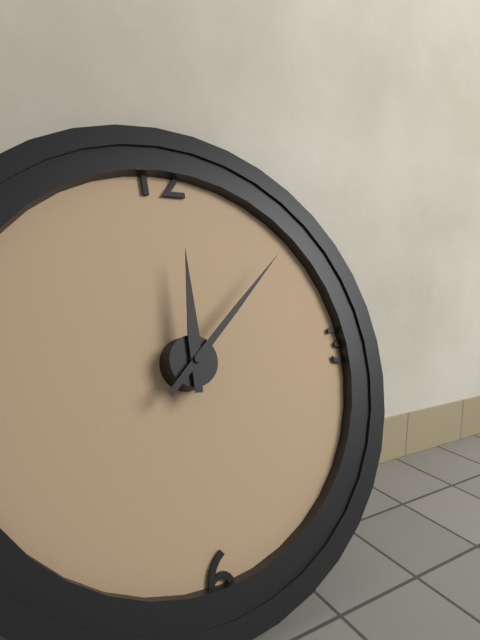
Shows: 12:08
